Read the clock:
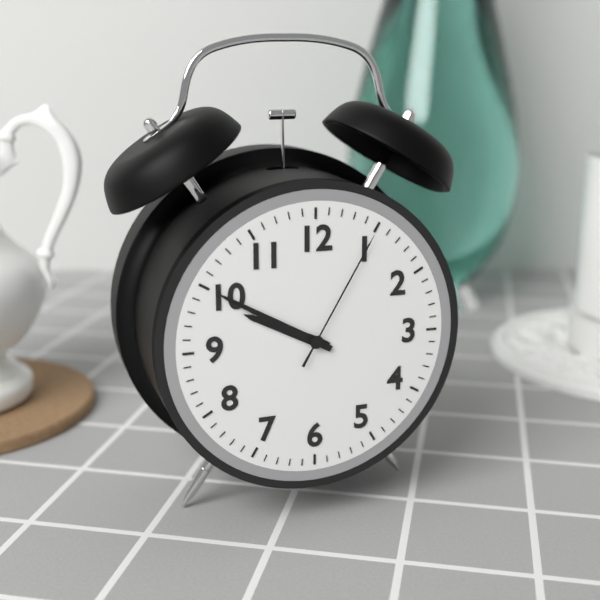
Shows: 9:50:05
